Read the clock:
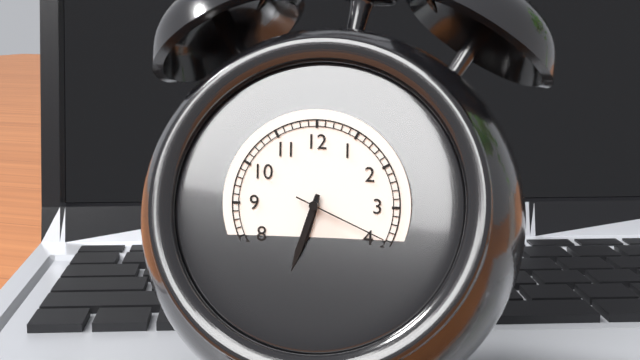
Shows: 6:33:19
